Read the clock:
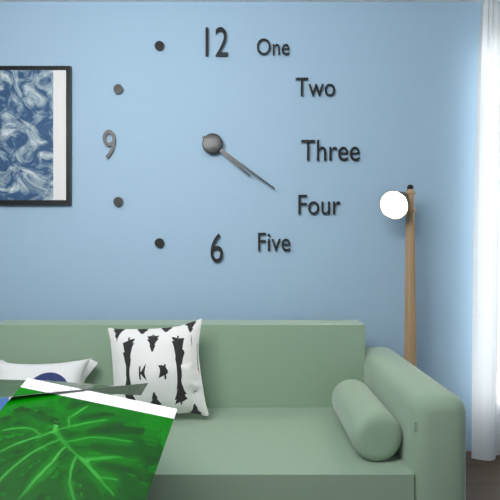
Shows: 4:21
